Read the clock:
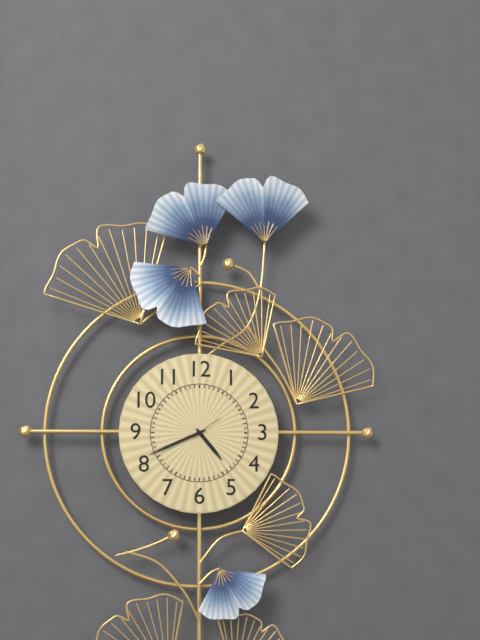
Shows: 4:41
